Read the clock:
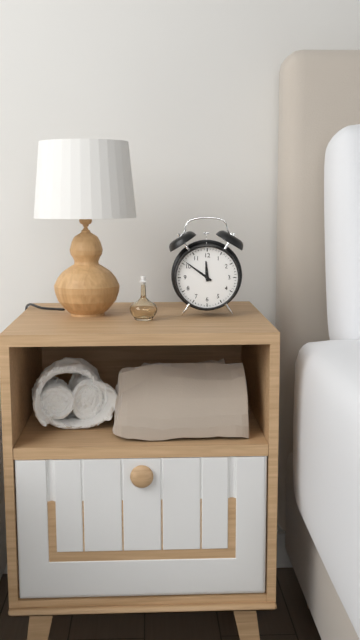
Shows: 11:51
